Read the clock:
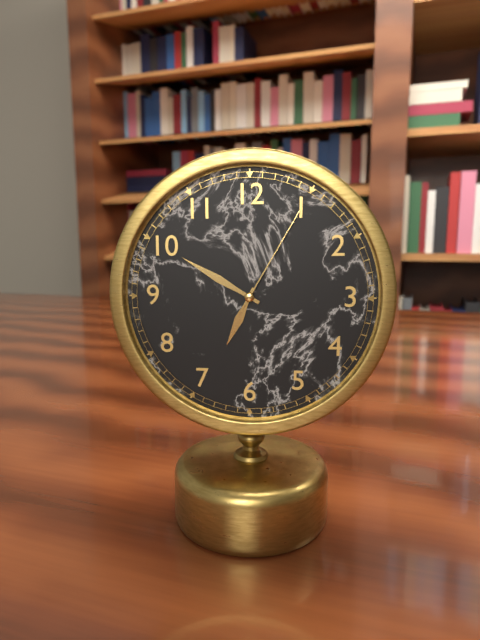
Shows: 6:50:05
